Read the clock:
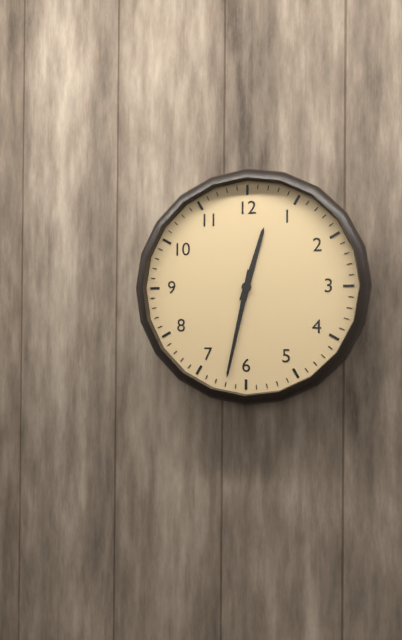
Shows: 12:32
